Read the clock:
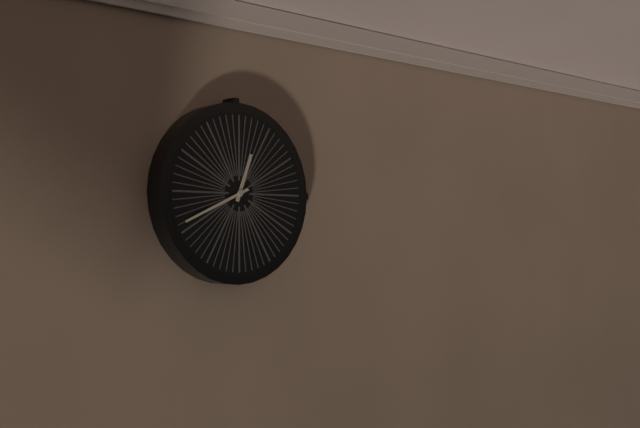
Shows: 12:41
